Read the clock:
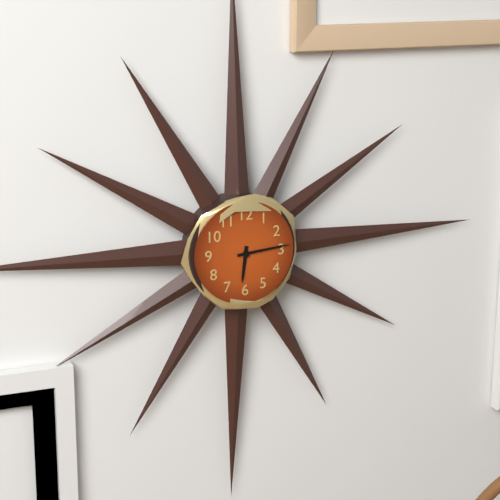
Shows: 6:14
